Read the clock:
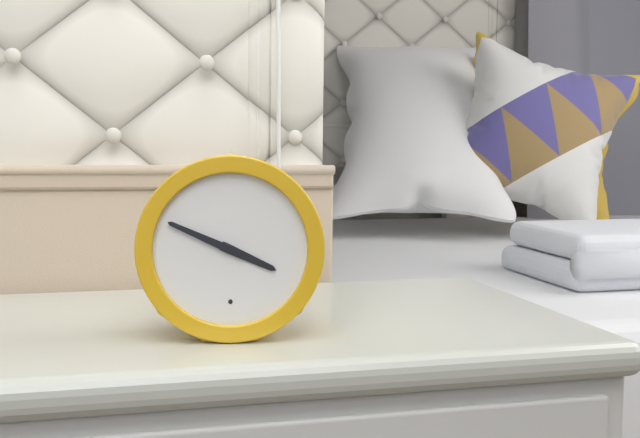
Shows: 3:49
